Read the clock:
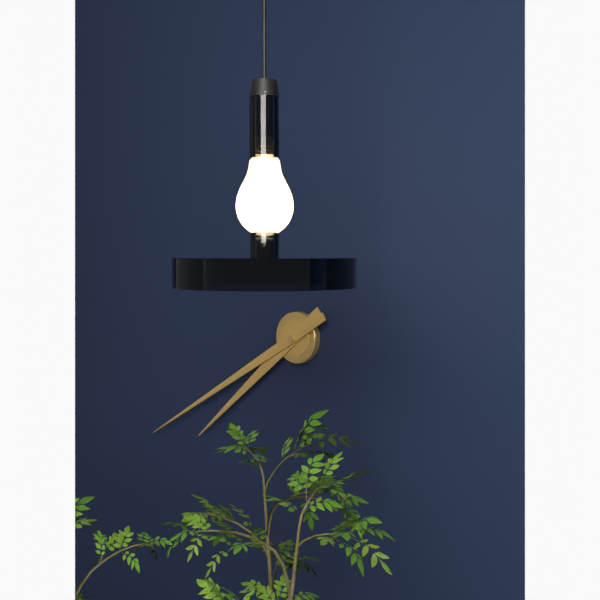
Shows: 7:40
